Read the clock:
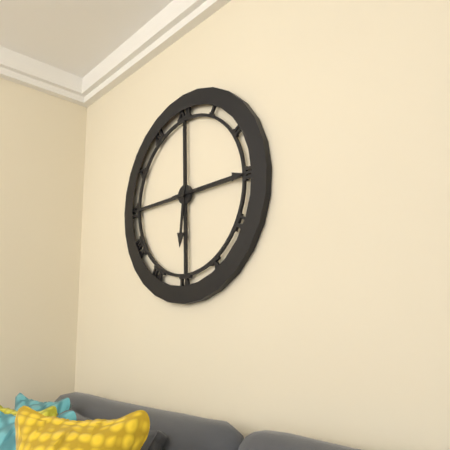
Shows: 6:15
